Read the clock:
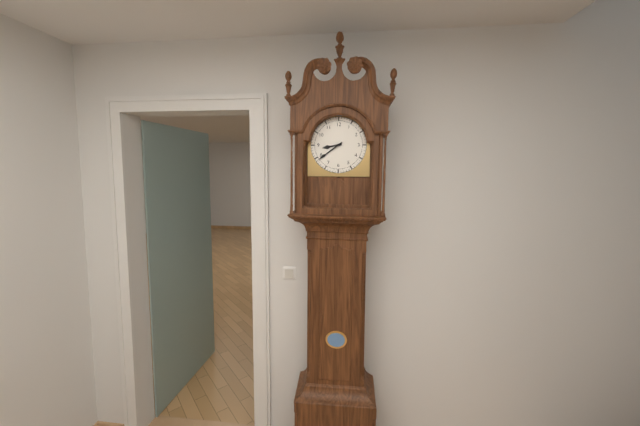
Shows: 8:39
